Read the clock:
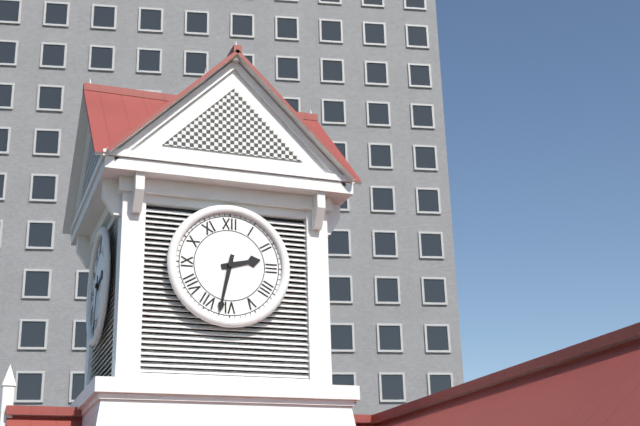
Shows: 2:32
